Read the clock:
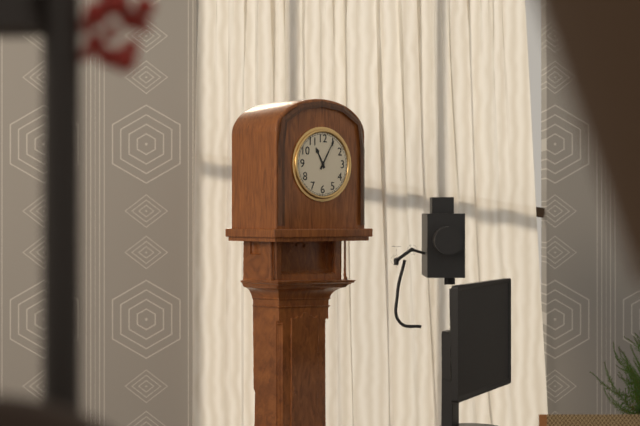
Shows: 11:05
